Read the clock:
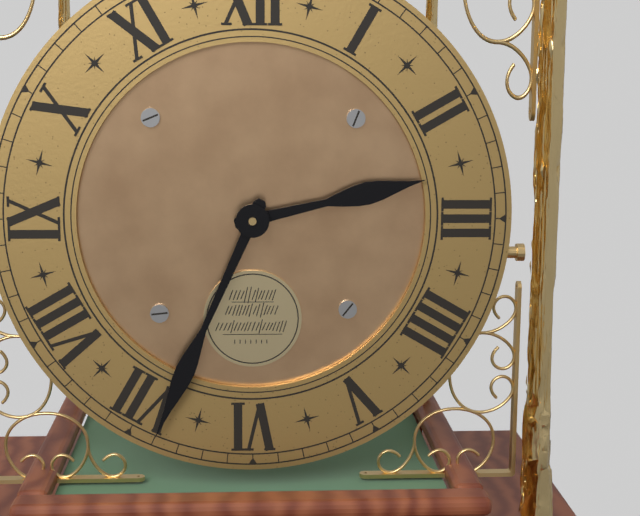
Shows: 2:34
